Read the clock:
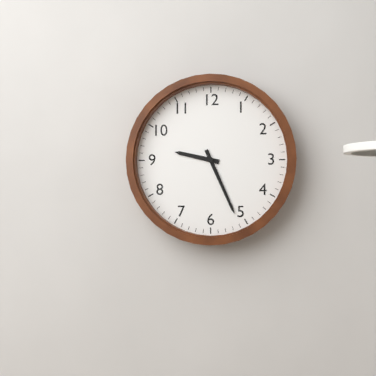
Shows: 9:26
